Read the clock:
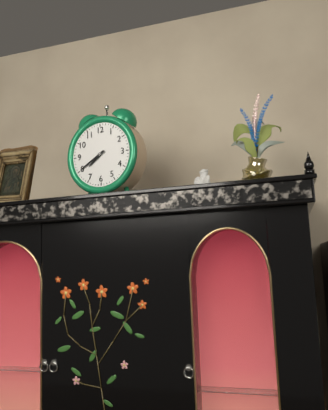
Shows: 7:40
